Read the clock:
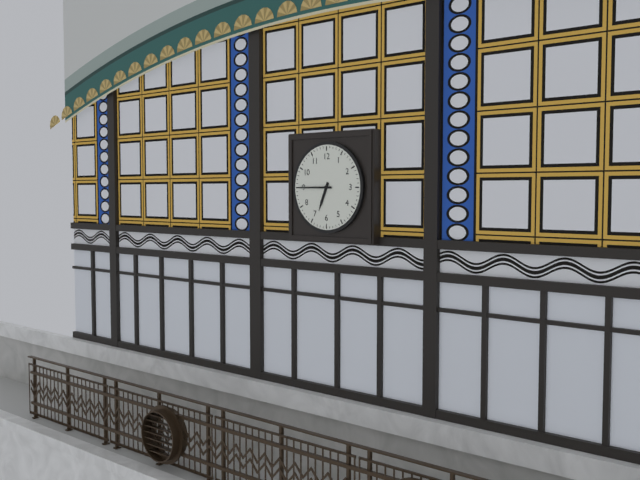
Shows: 6:45
